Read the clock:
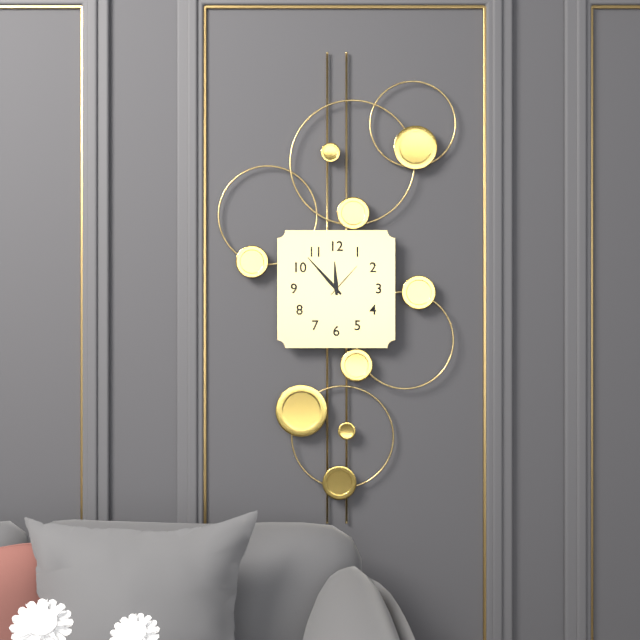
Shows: 11:53
